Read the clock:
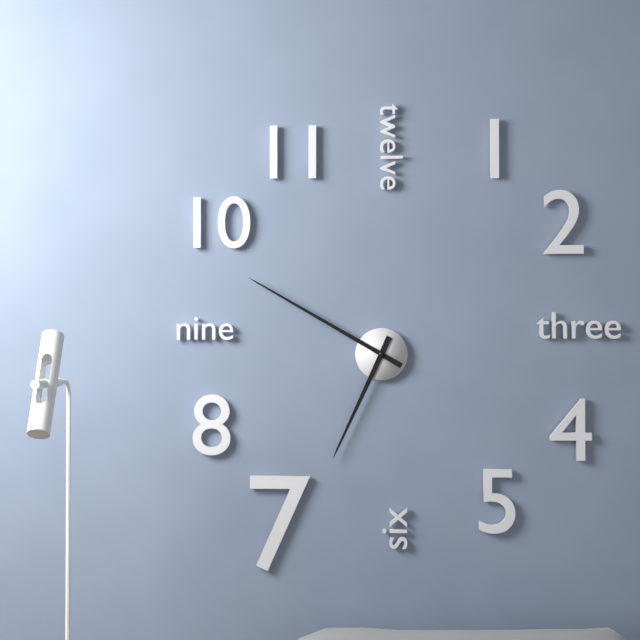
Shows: 6:50
